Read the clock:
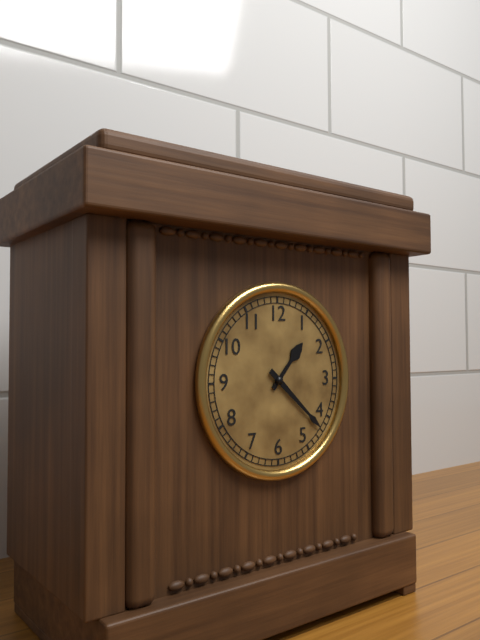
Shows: 1:22
